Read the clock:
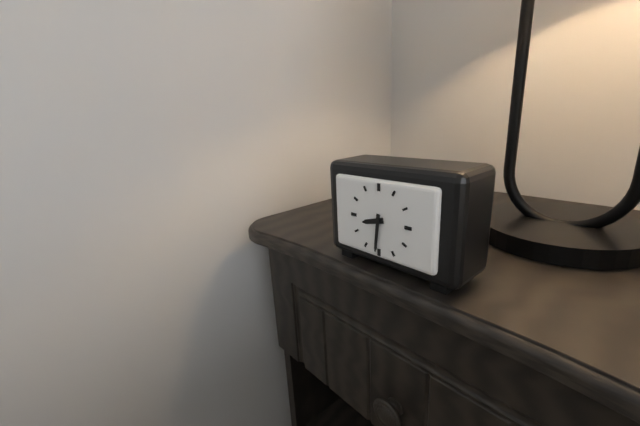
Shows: 8:31
